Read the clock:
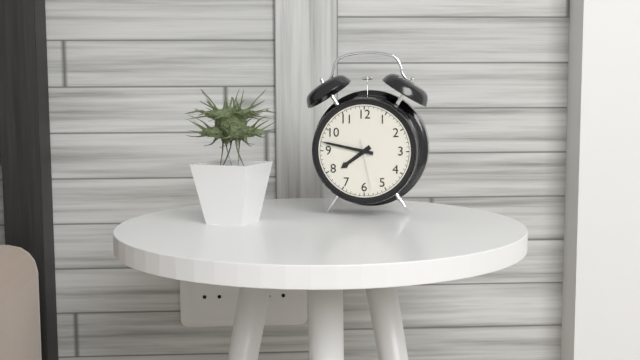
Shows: 7:47
